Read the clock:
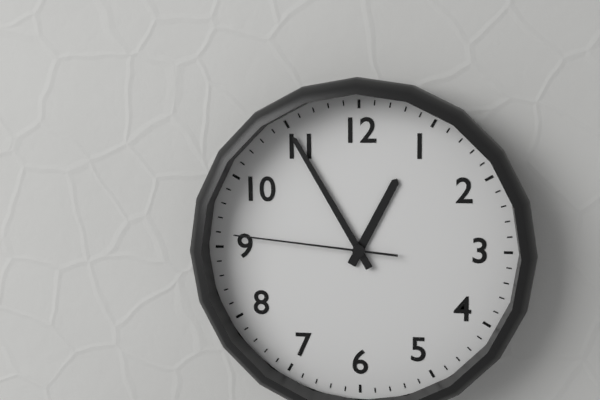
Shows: 12:55:46
